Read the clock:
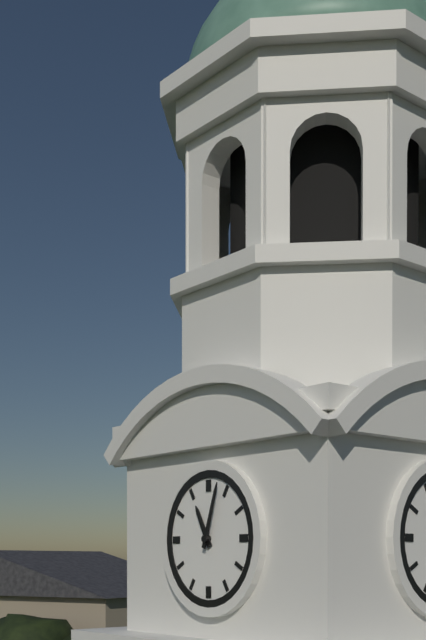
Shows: 11:03
